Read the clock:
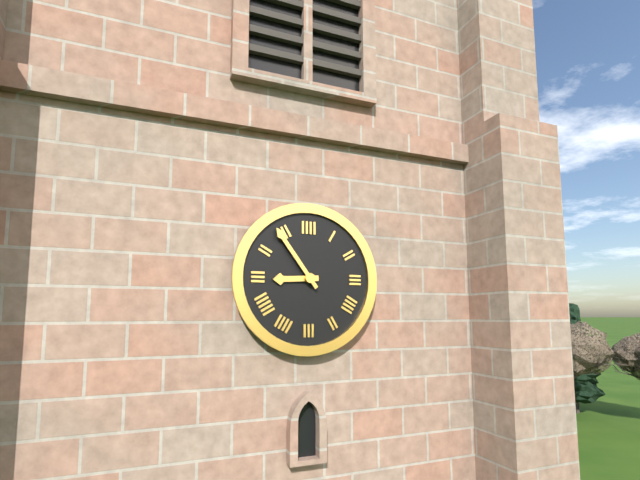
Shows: 8:54
